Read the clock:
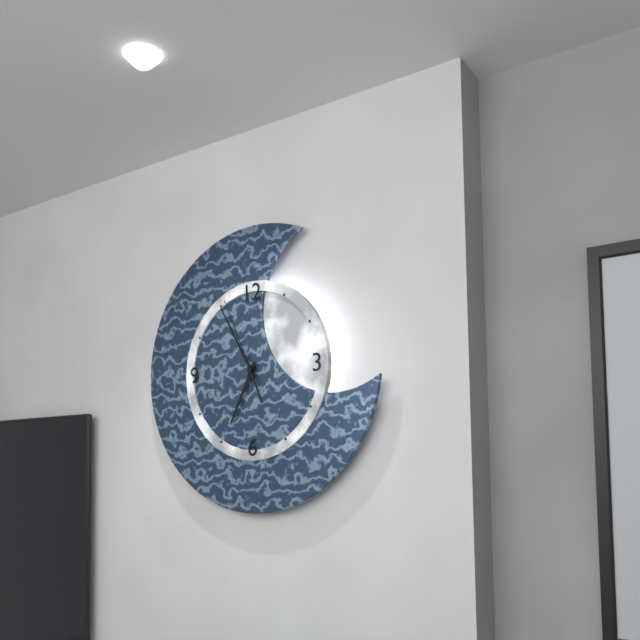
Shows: 6:55:56
